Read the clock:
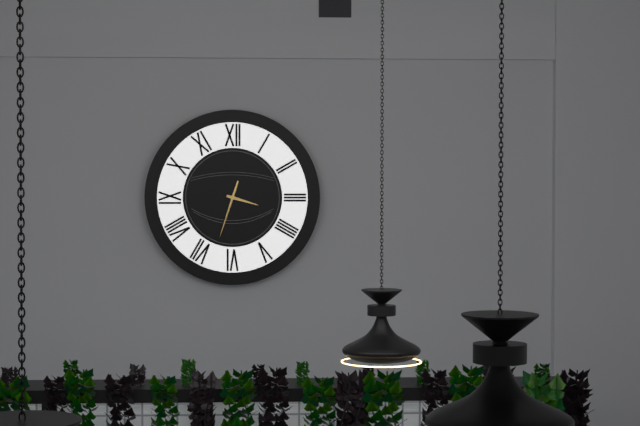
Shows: 3:33
